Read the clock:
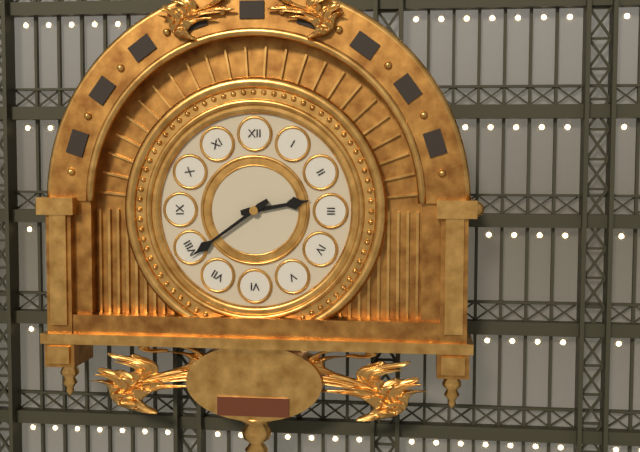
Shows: 2:39
